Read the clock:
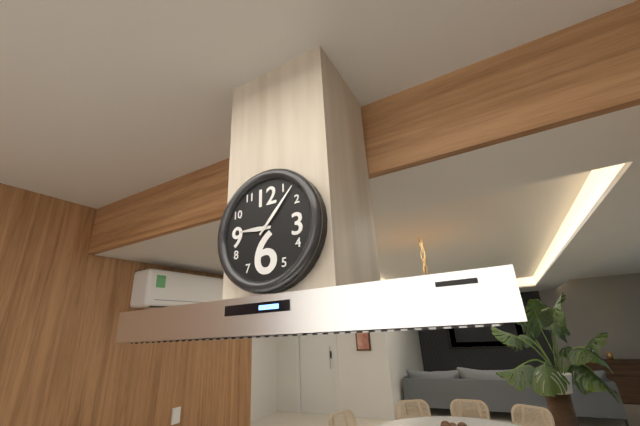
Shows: 9:07
